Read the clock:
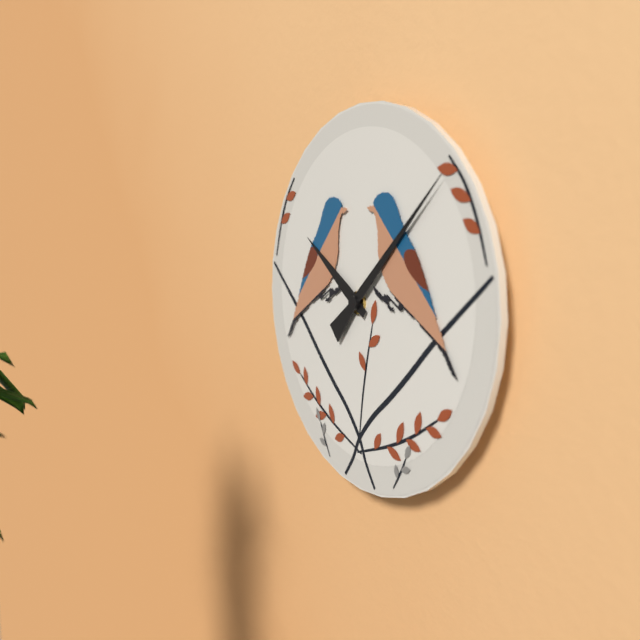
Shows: 10:08
